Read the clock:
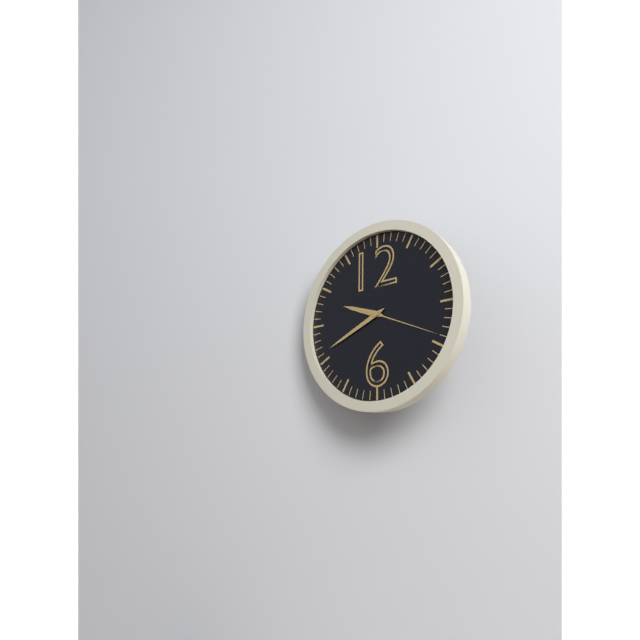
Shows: 9:41:19
